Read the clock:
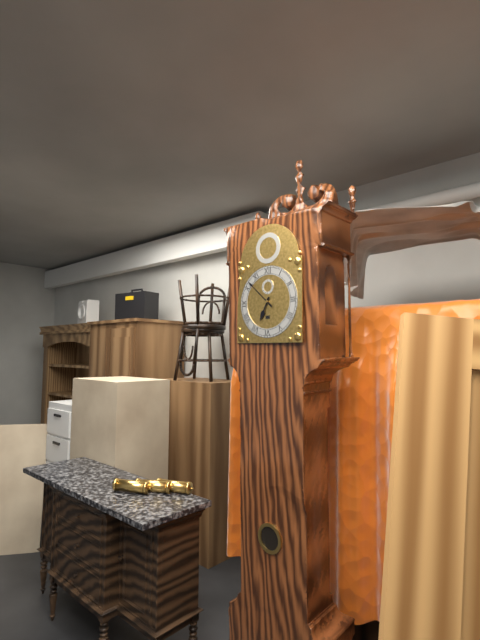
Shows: 6:52
